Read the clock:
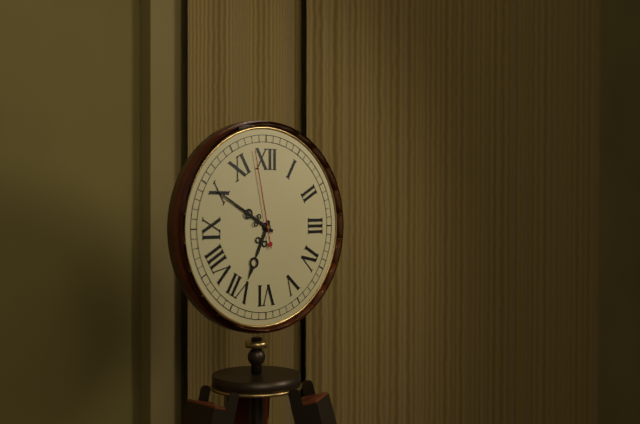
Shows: 6:50:58
